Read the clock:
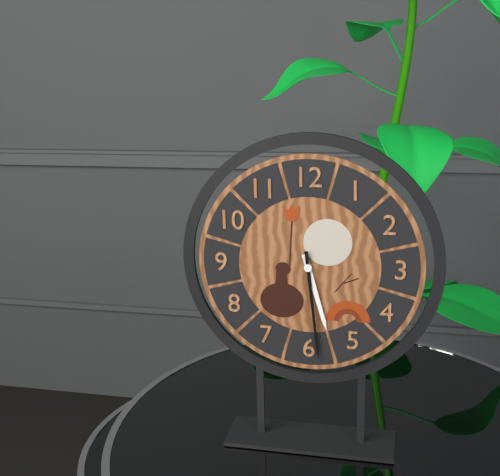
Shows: 5:29
